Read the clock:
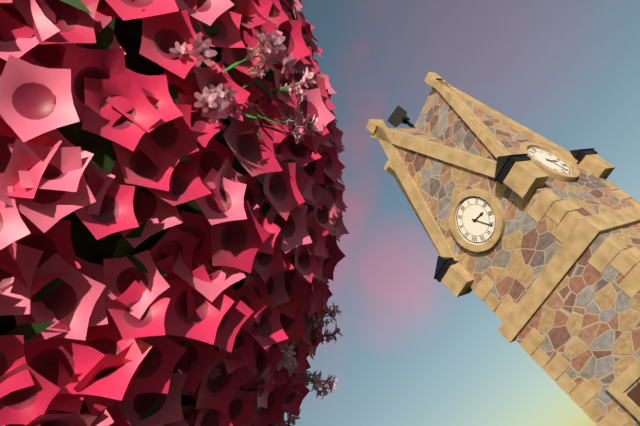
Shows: 3:26
